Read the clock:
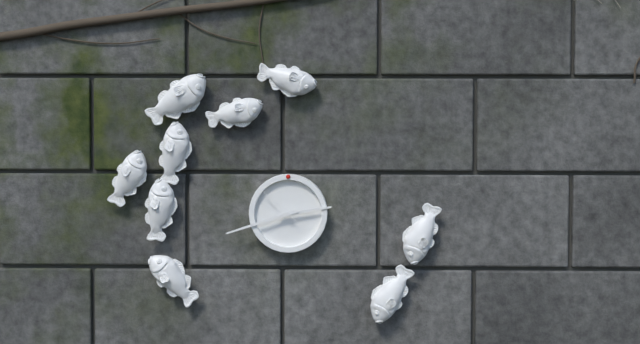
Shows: 2:42
